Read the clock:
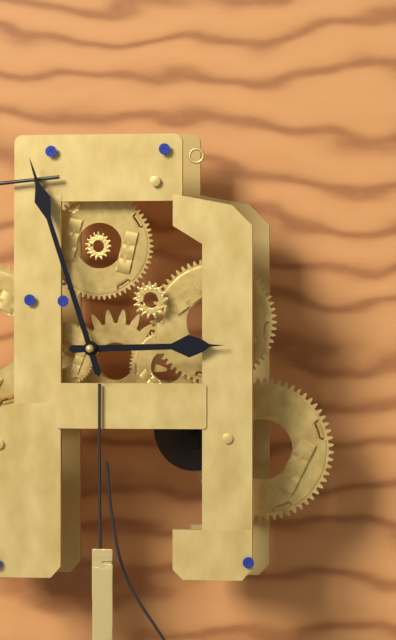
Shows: 2:57
